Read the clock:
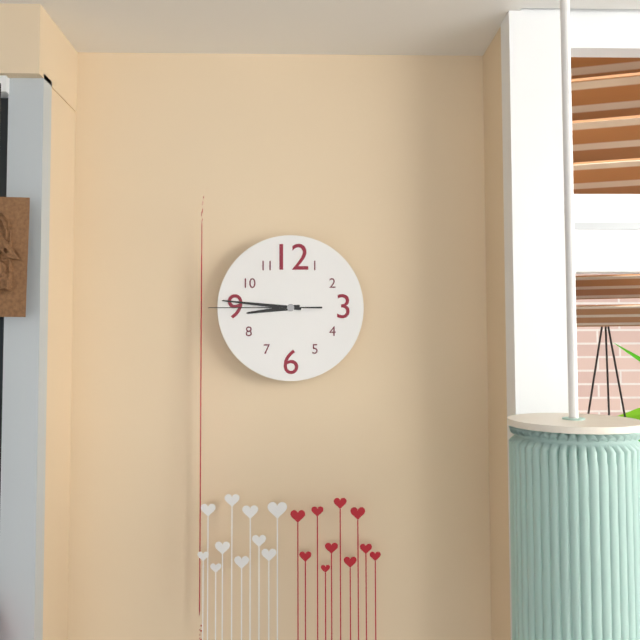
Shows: 8:46:45
